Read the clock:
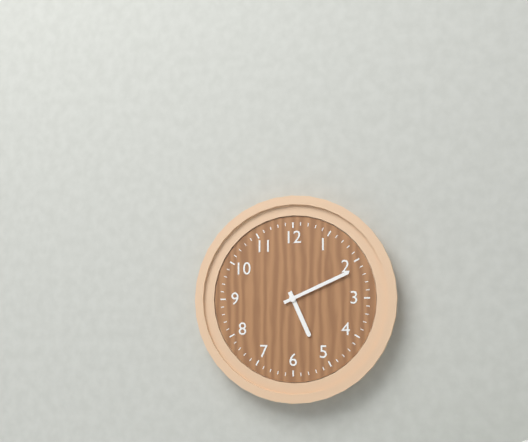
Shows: 5:11
